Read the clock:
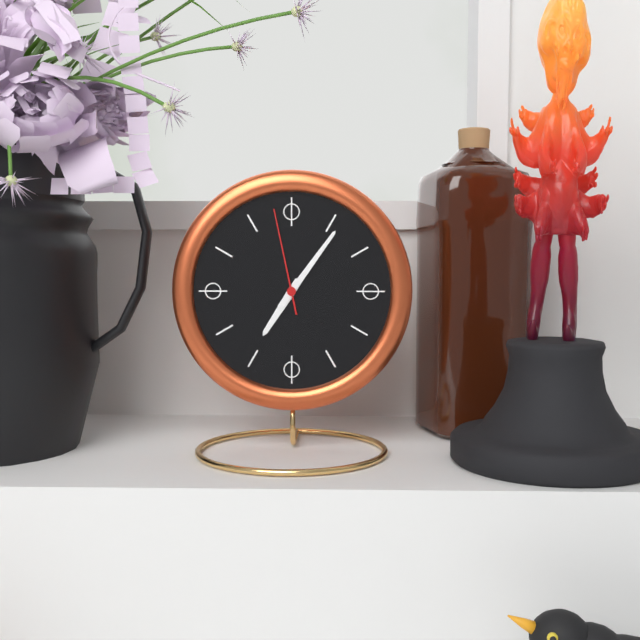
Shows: 7:06:58
